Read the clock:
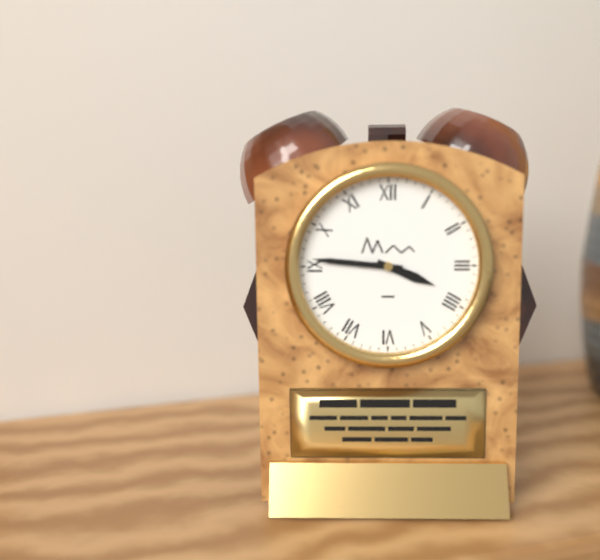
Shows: 3:46
